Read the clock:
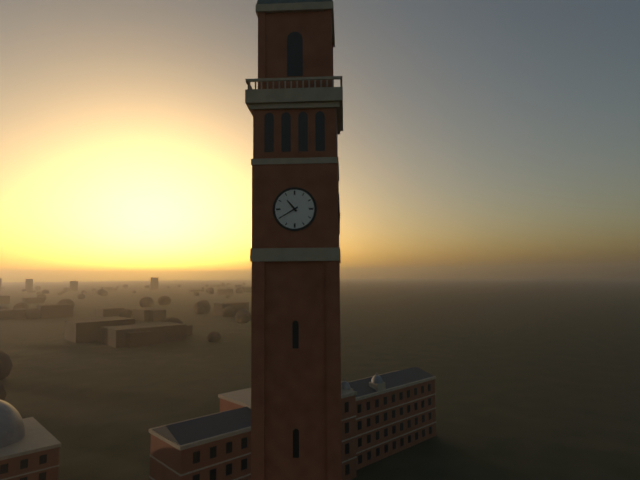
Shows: 10:40
